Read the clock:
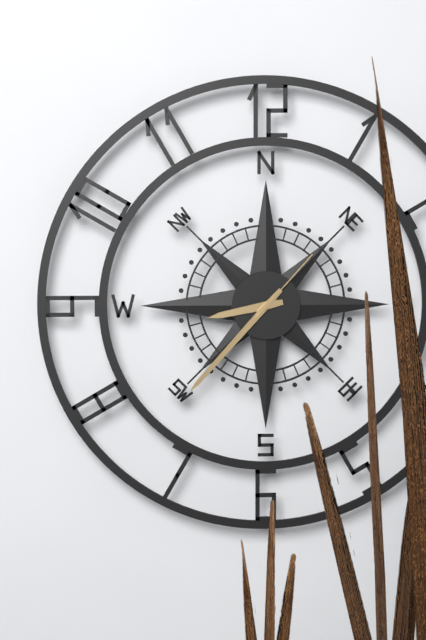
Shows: 8:37:07
